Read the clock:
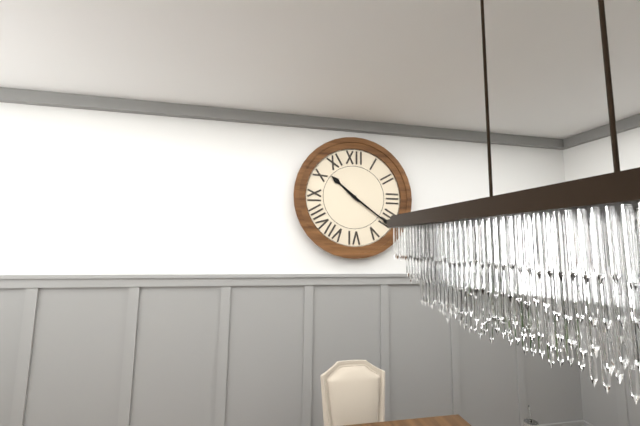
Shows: 10:21
